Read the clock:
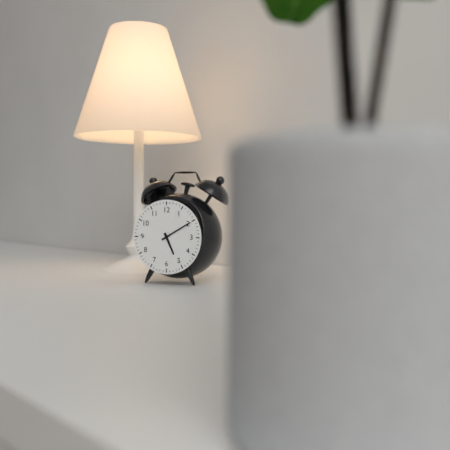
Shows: 5:10
